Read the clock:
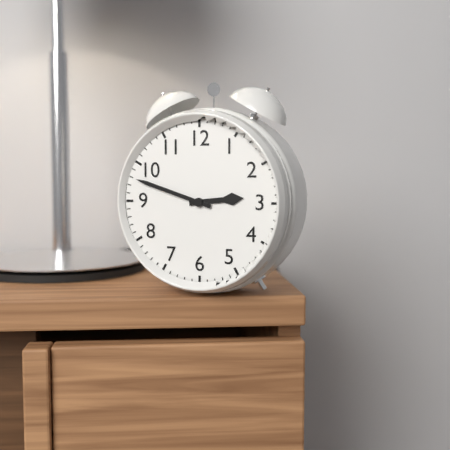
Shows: 2:48
